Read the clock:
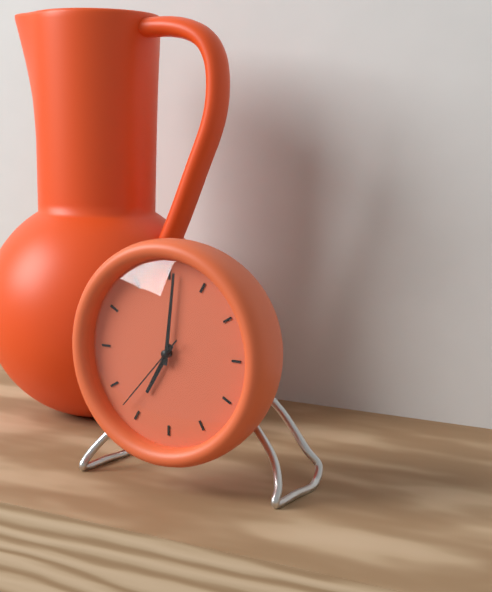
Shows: 7:01:37
